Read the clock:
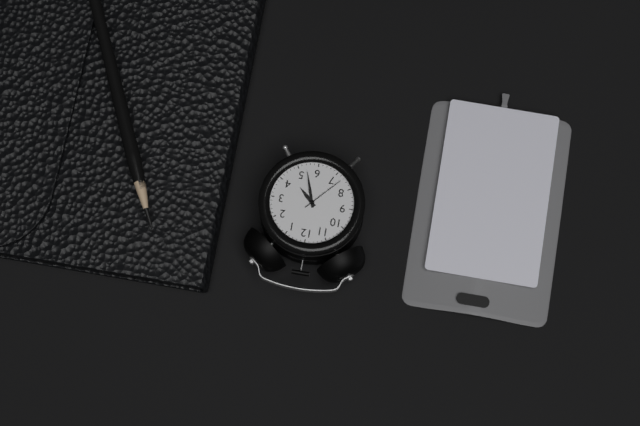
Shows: 4:27
